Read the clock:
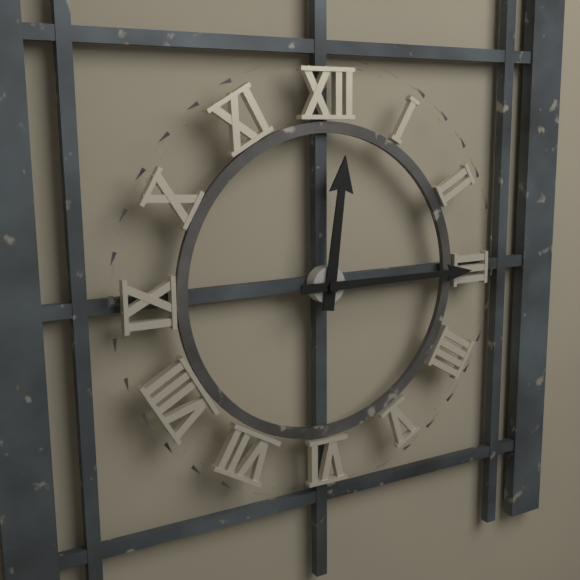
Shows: 12:15
